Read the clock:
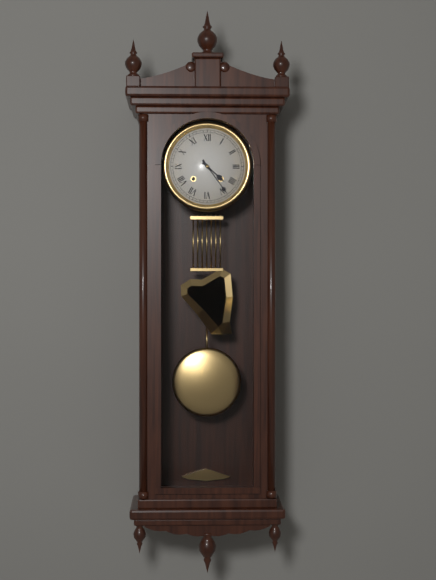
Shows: 4:24
